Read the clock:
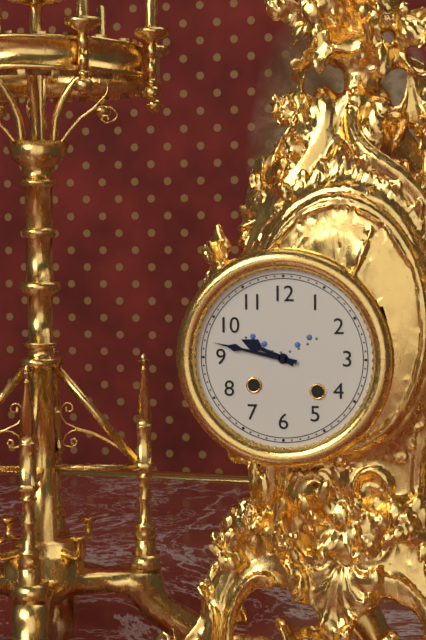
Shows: 9:47
